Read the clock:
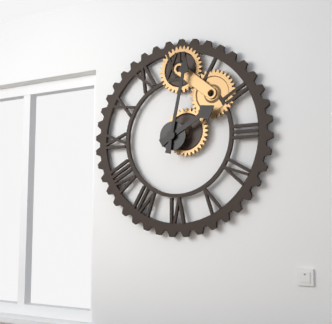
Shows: 2:02
